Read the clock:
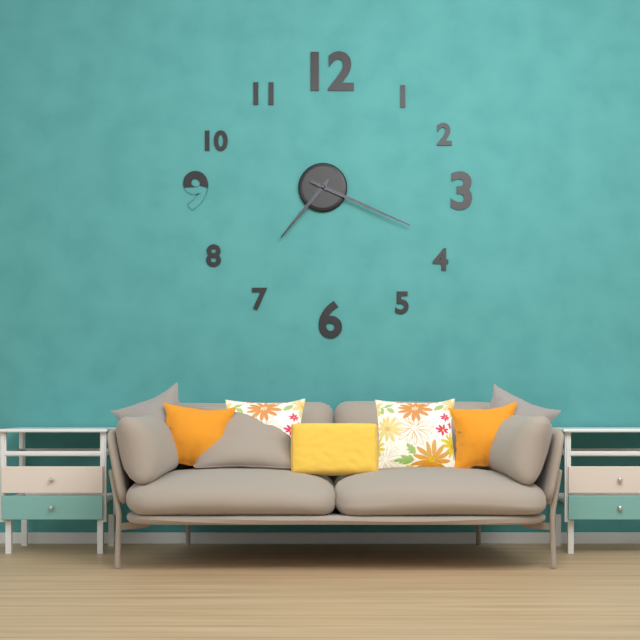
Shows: 7:19
